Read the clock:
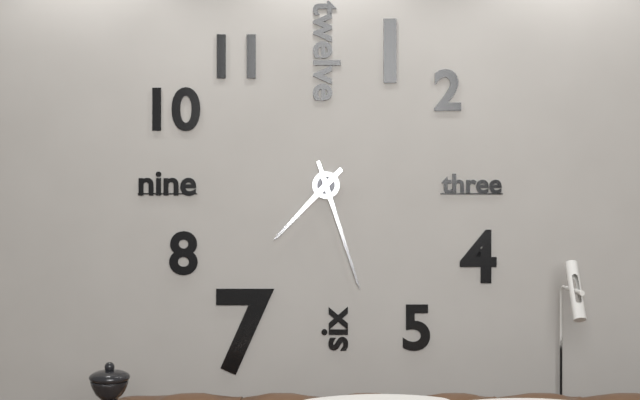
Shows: 7:27
